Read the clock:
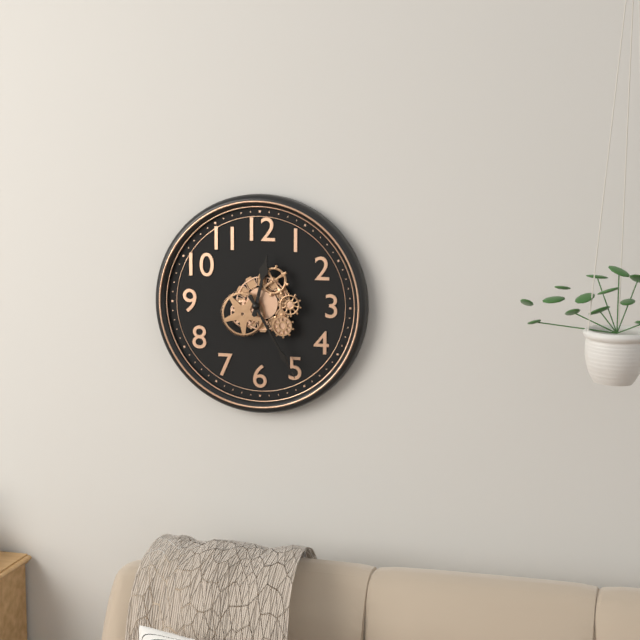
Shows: 12:25
